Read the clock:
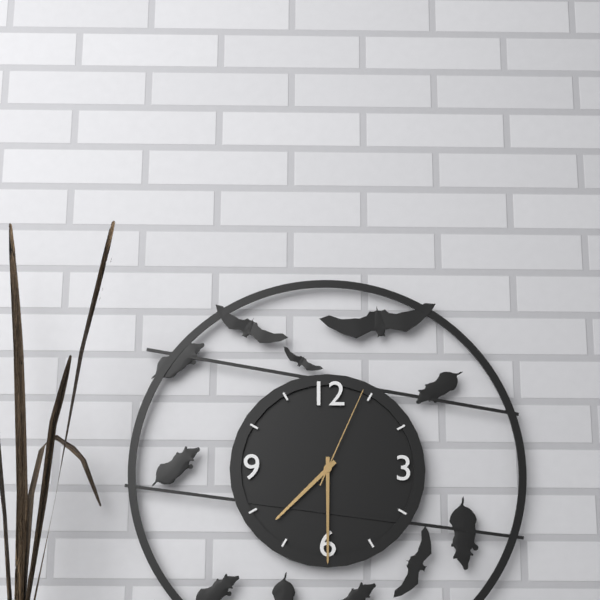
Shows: 7:30:04
